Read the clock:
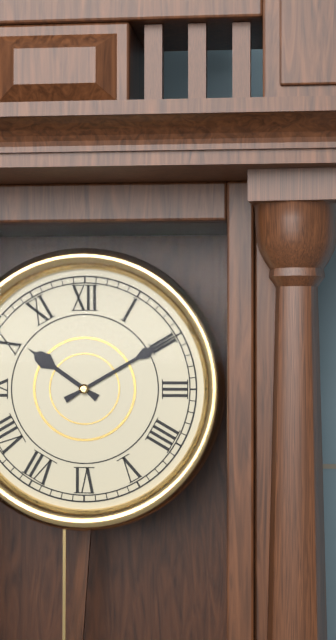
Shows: 10:10
